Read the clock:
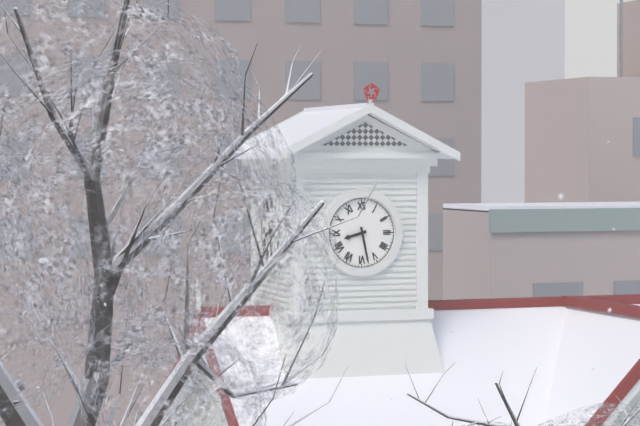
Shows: 8:28
